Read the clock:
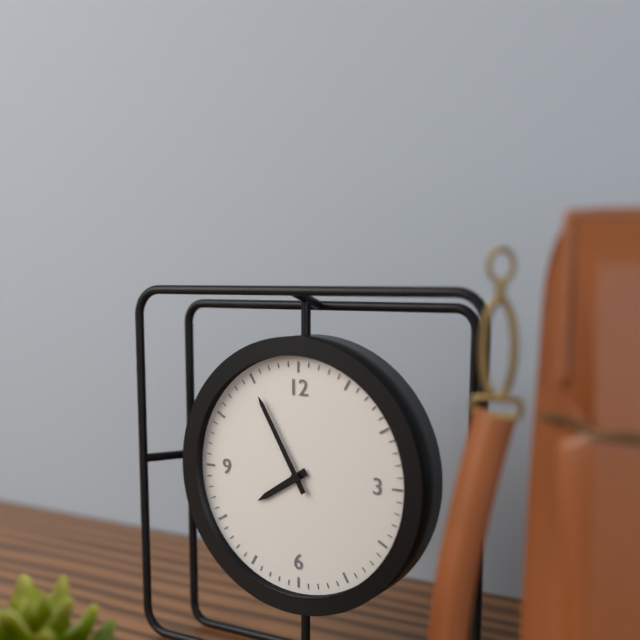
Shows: 7:55
